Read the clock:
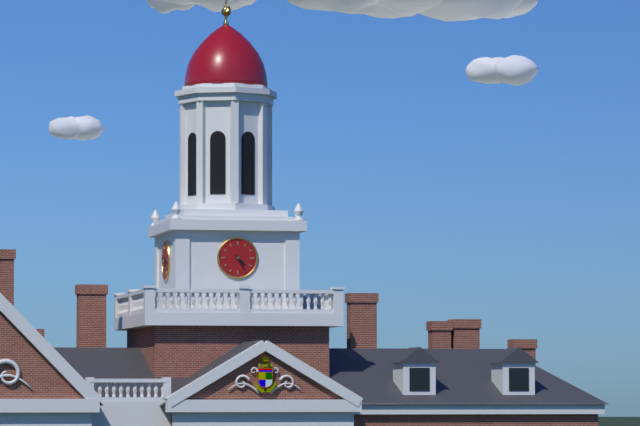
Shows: 4:25
